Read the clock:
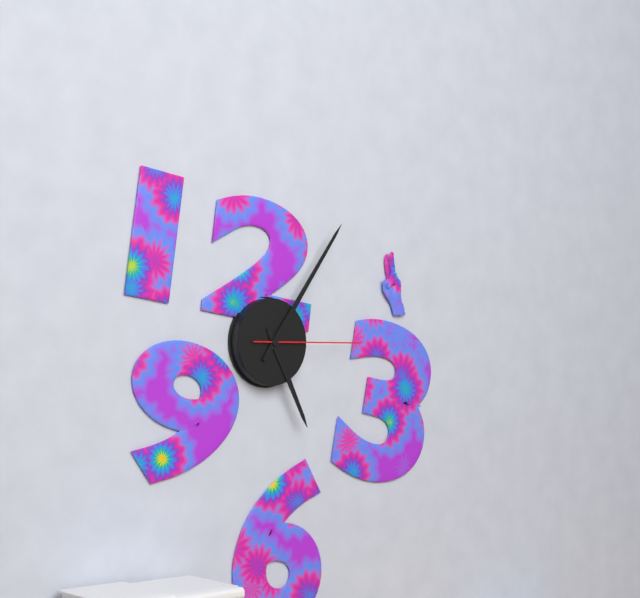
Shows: 5:06:15
